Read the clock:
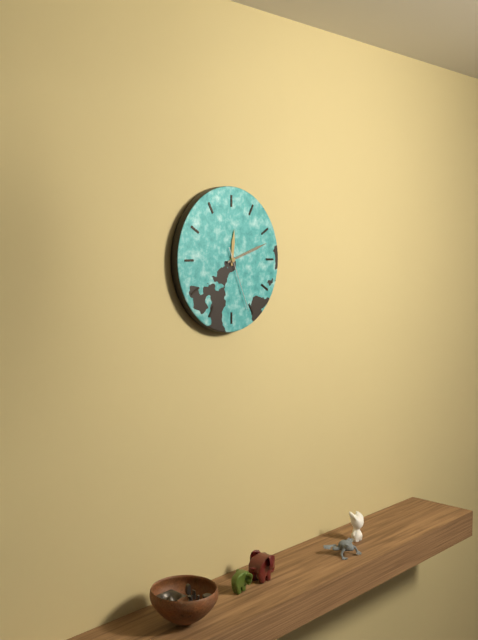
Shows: 12:12:26
